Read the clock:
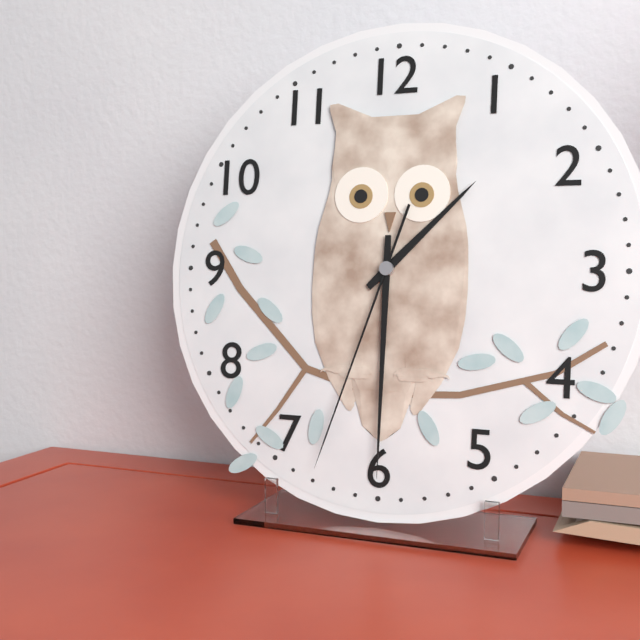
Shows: 1:30:33
